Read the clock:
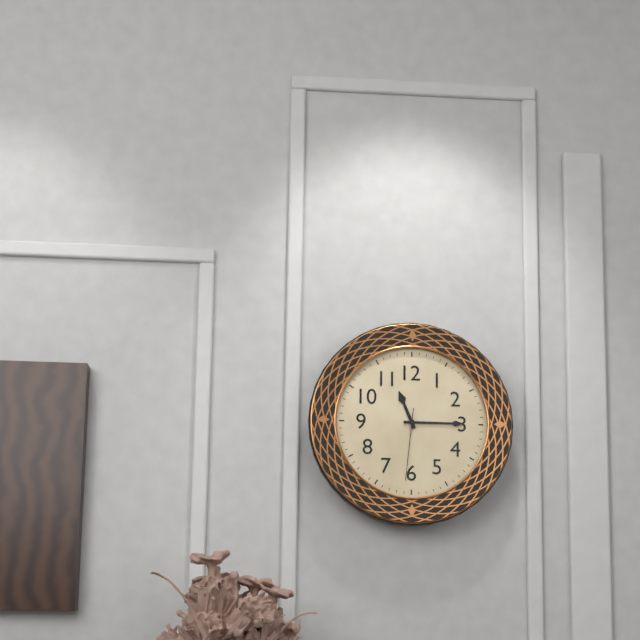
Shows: 11:15:31
